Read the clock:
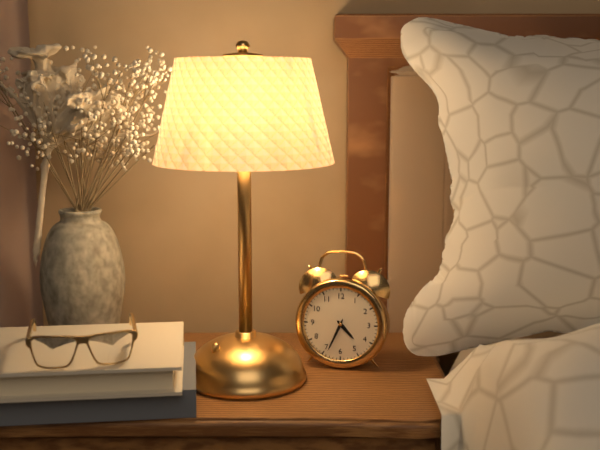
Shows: 4:34
